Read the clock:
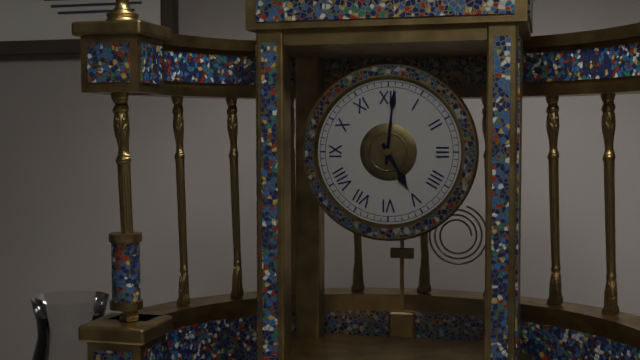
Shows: 5:01
